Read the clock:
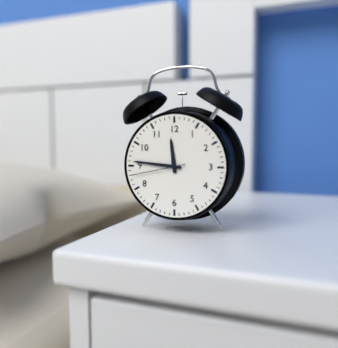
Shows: 11:46:43
